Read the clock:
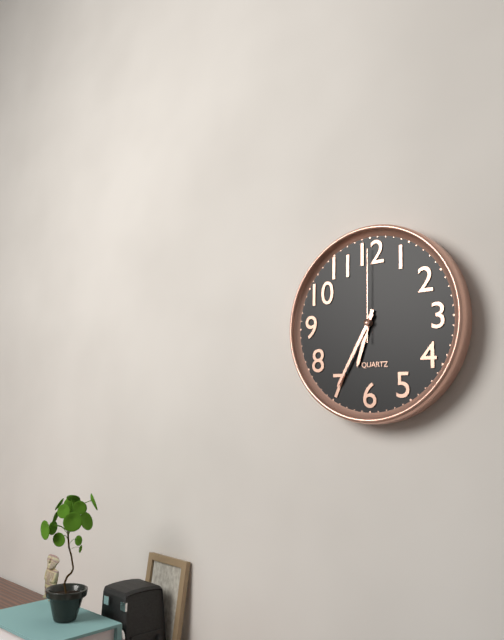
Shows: 6:35:00
